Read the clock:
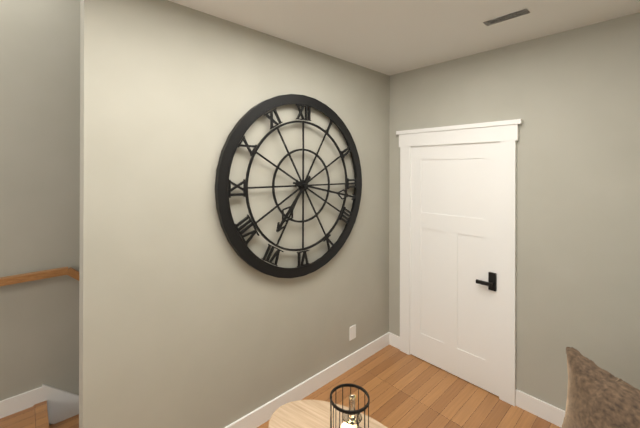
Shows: 7:17
